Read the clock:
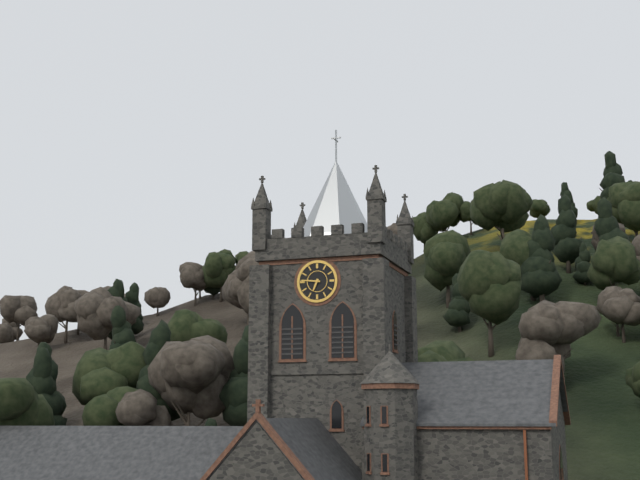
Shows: 6:46
